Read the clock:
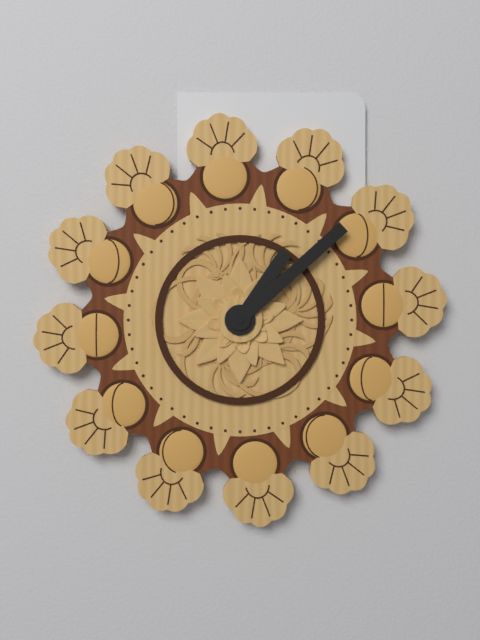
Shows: 1:08
